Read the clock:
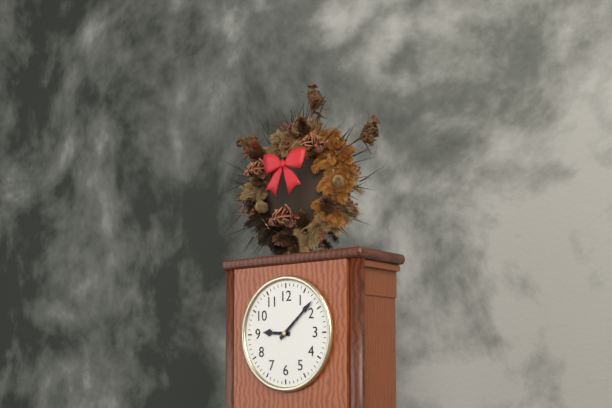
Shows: 9:08
